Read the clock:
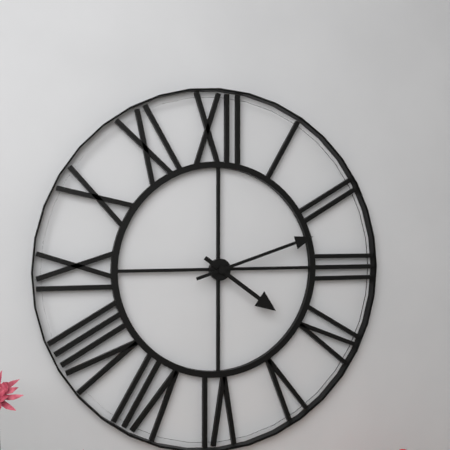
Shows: 4:12
